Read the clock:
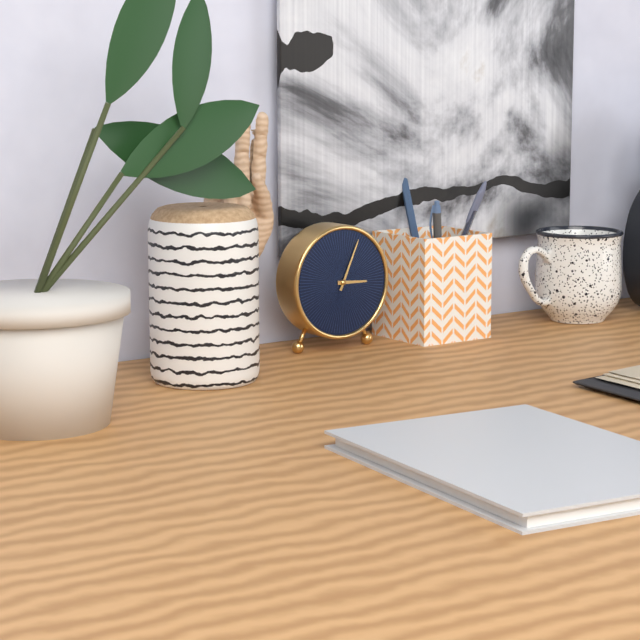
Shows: 3:04
